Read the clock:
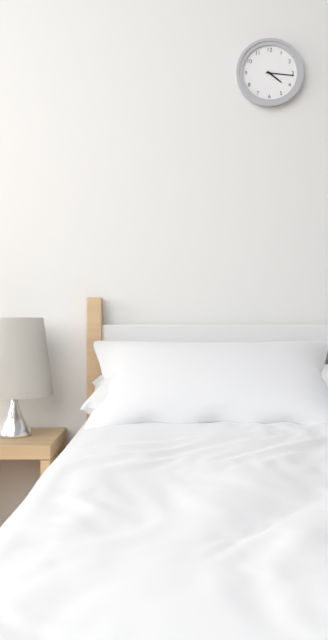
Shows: 4:16
